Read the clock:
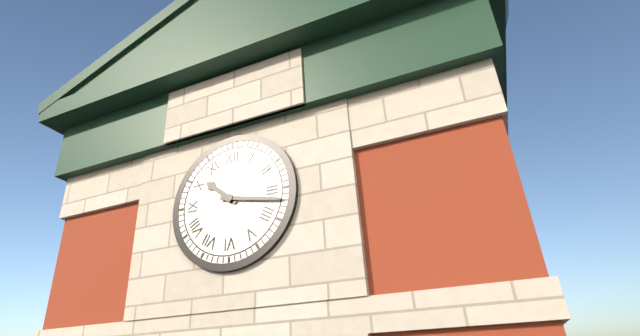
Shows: 10:17
